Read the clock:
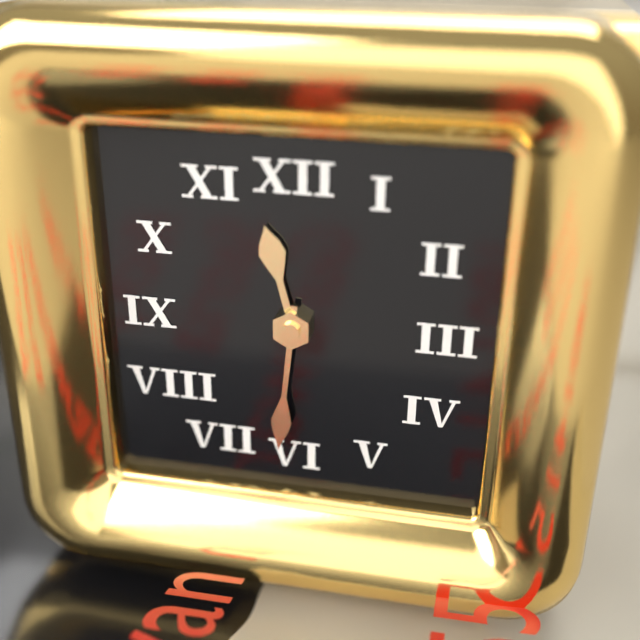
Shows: 11:31
